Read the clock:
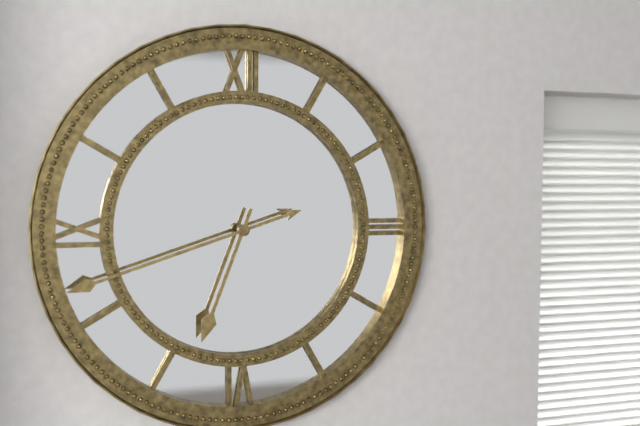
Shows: 6:42
